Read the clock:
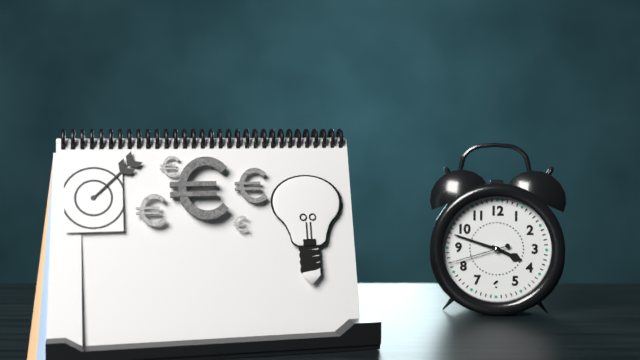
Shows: 3:48:42
